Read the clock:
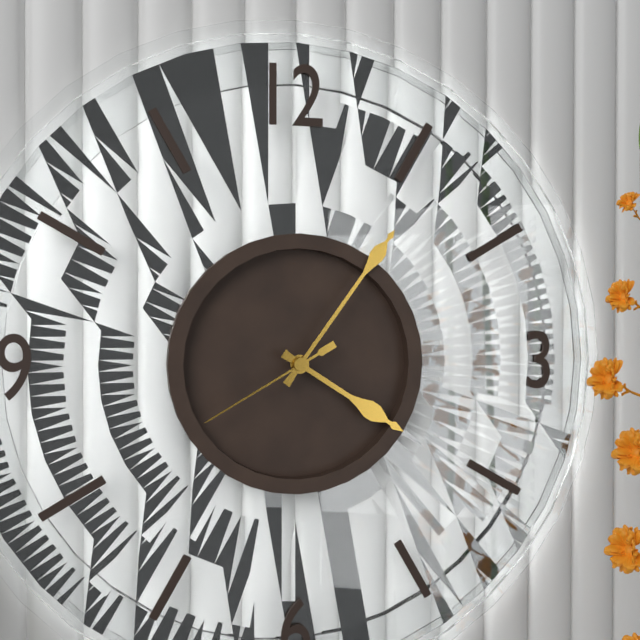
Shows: 4:06:40
